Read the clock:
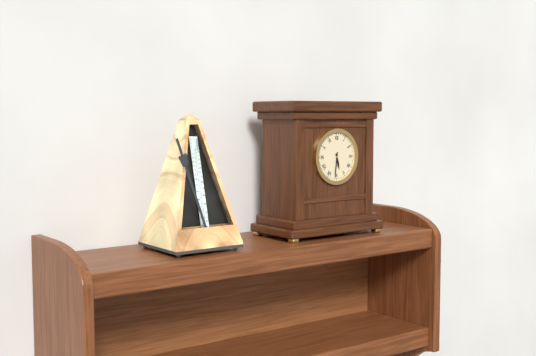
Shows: 5:31
